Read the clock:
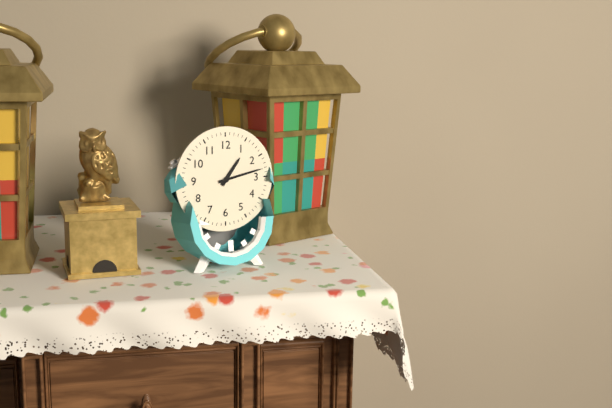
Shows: 1:13
